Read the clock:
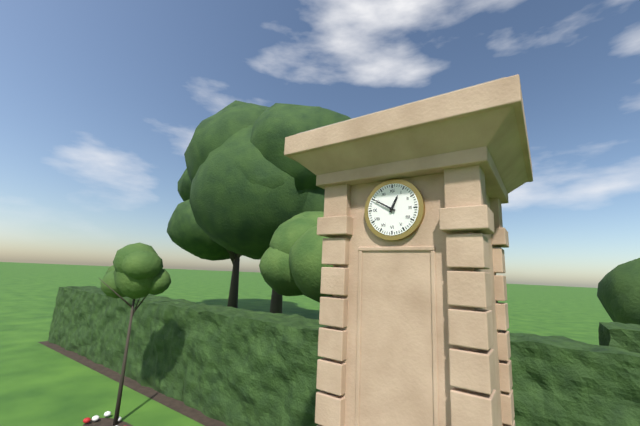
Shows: 12:50
